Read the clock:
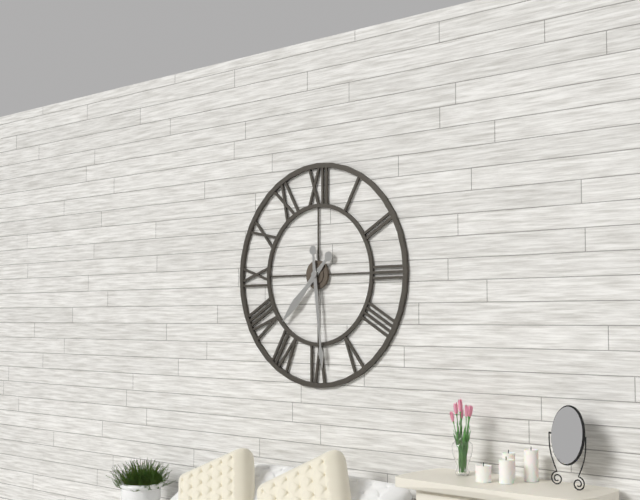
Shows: 7:29
